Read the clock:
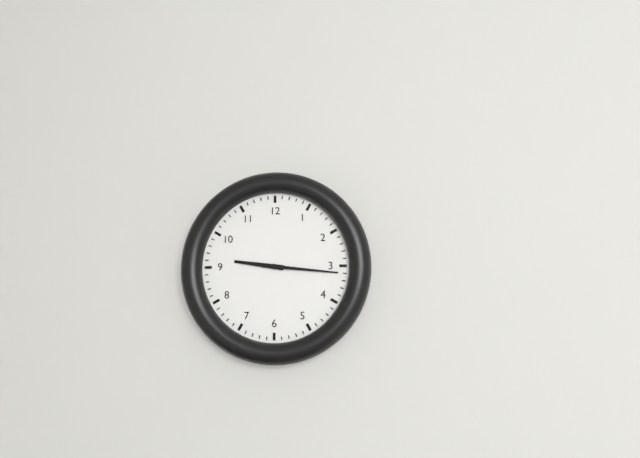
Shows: 9:16
